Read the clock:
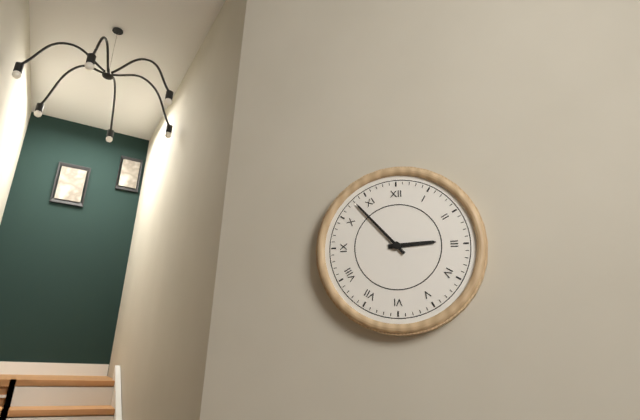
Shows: 2:53
